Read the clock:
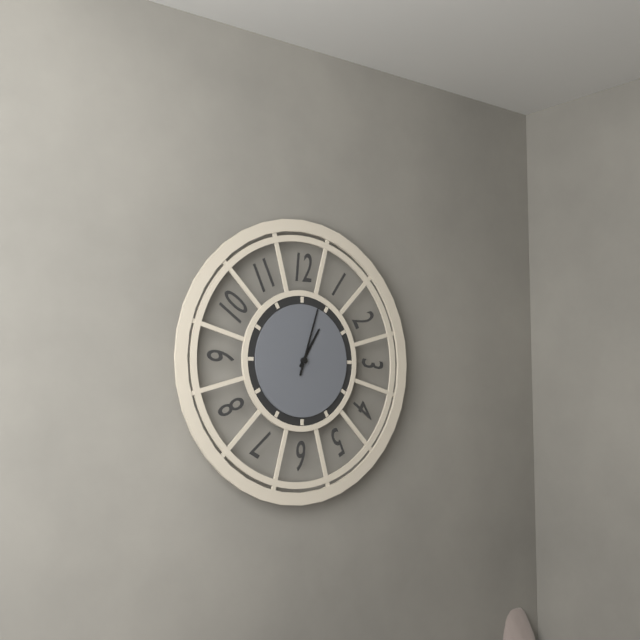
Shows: 1:03
